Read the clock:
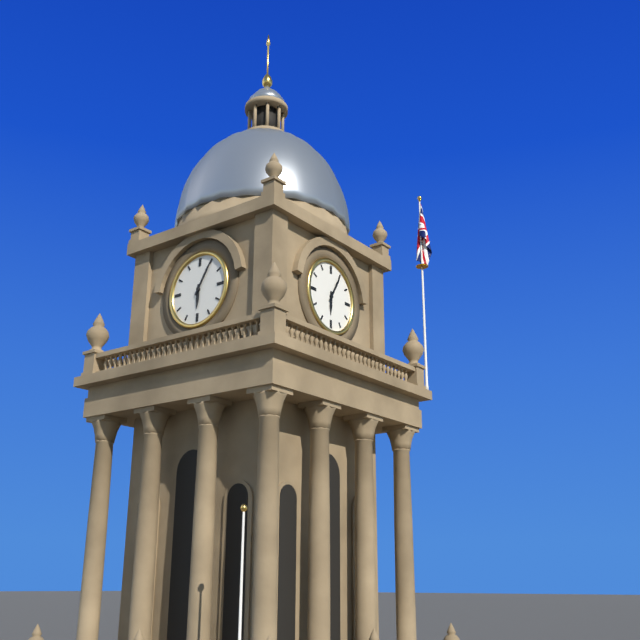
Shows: 6:05
